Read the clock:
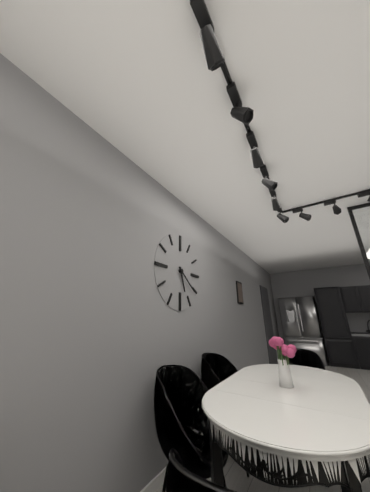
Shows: 5:21
